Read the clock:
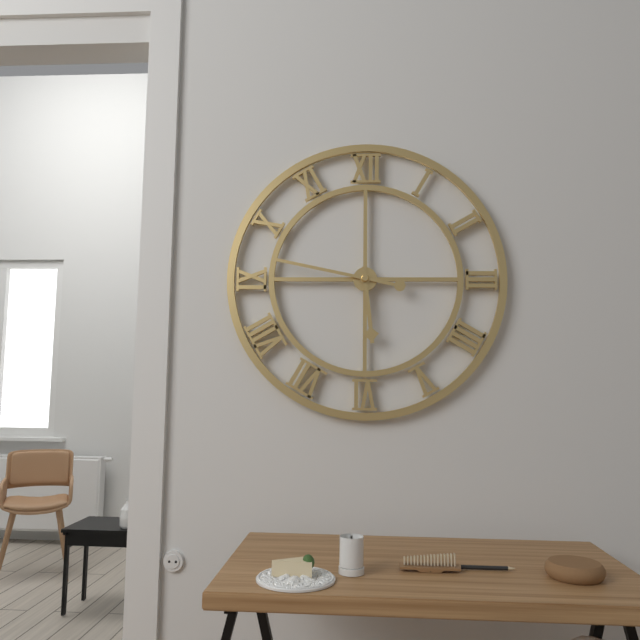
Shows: 5:47
